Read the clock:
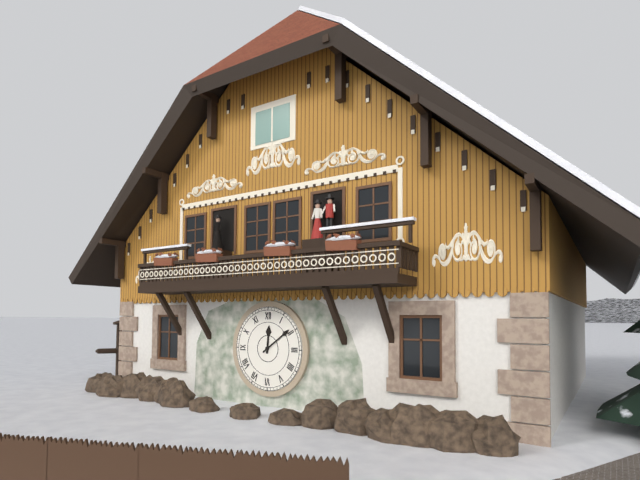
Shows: 12:09
